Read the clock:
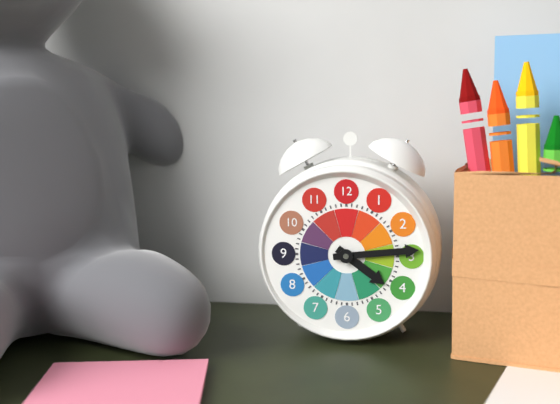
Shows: 4:14
